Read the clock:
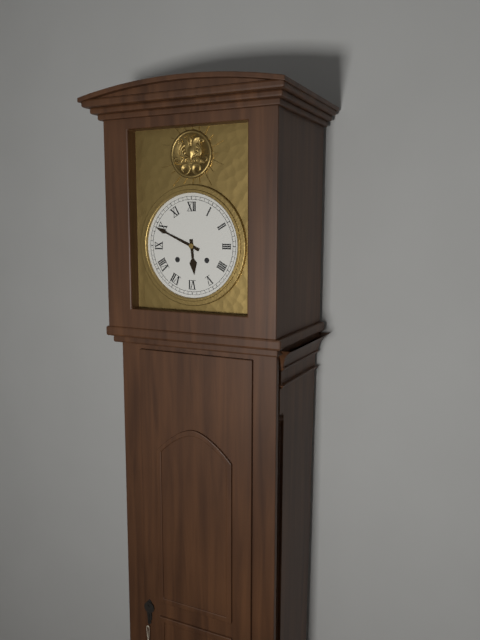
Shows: 5:49
